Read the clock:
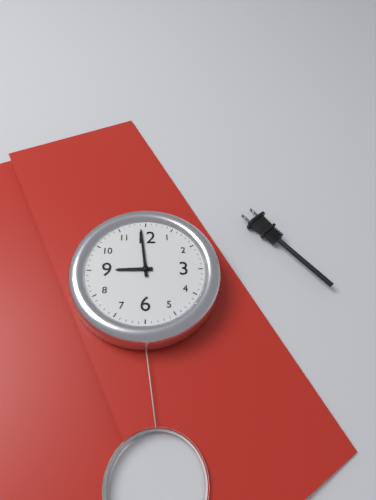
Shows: 8:59
